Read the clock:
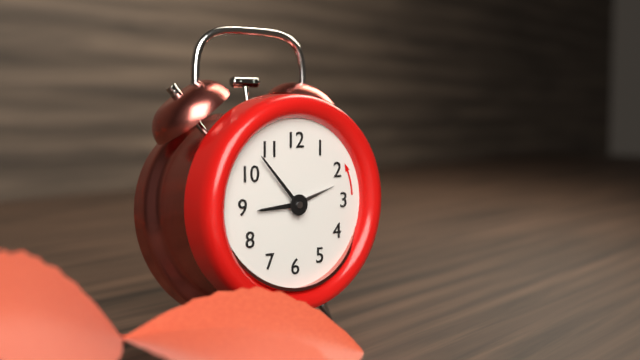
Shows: 8:53:12
